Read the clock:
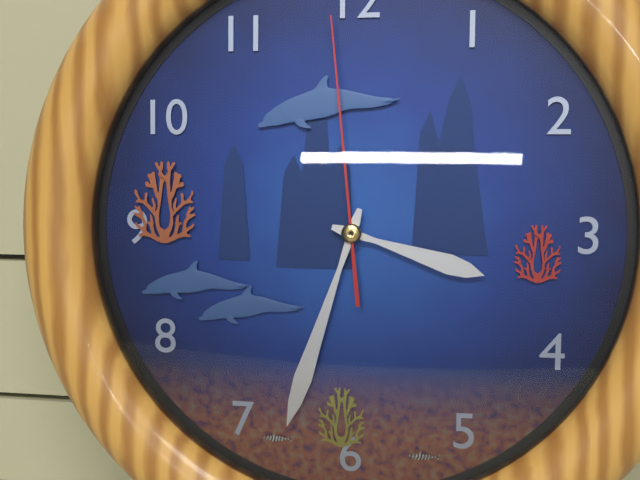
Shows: 3:33:59
